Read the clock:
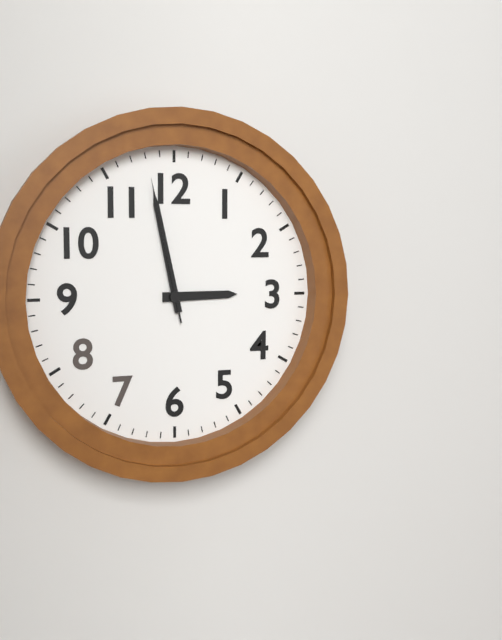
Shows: 2:58:58
